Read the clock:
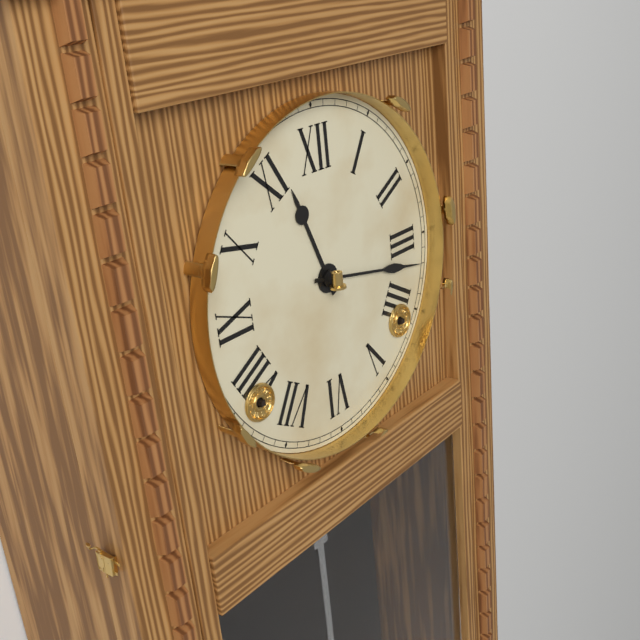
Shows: 11:17
